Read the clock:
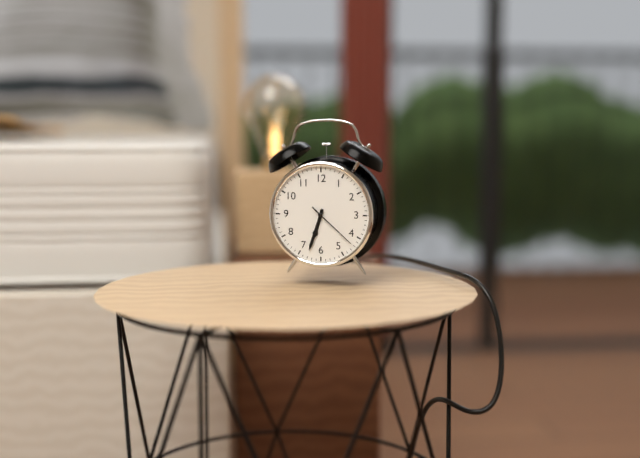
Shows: 6:33:22
